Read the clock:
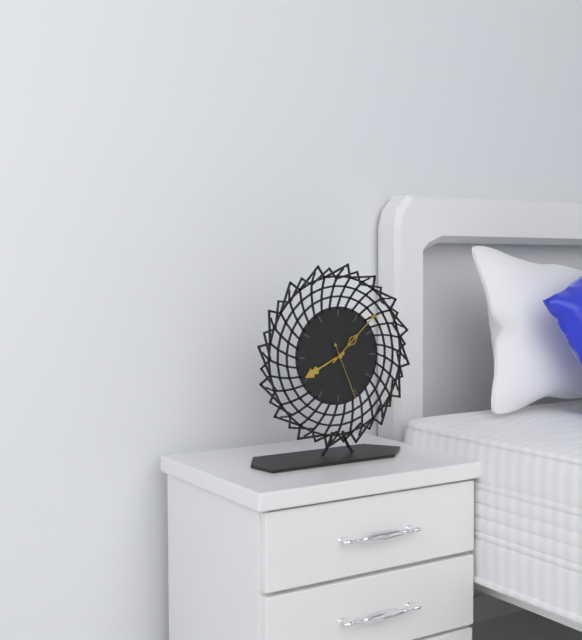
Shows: 8:08:26
